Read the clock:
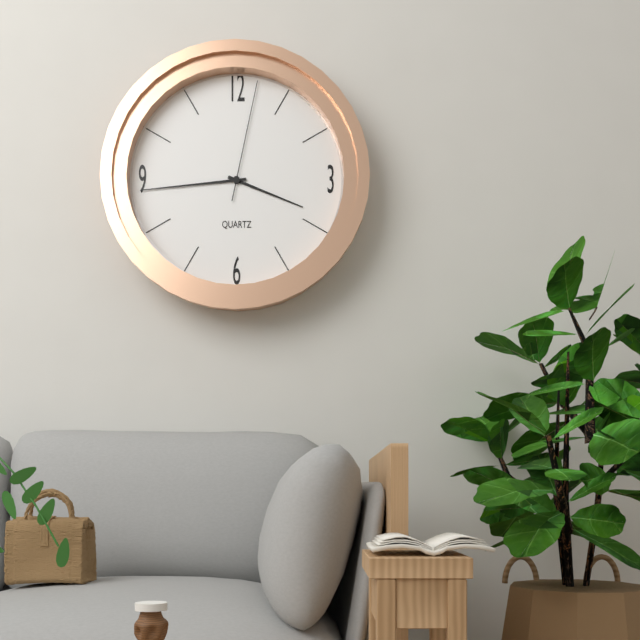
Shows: 3:44:02
